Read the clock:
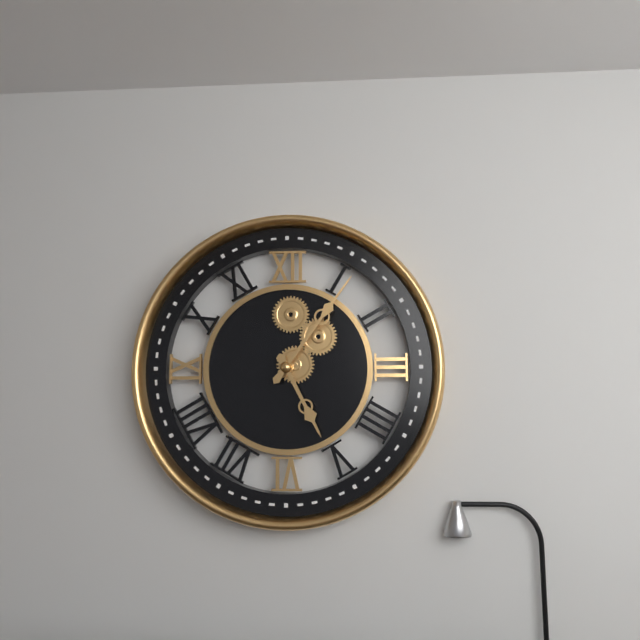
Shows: 5:06
